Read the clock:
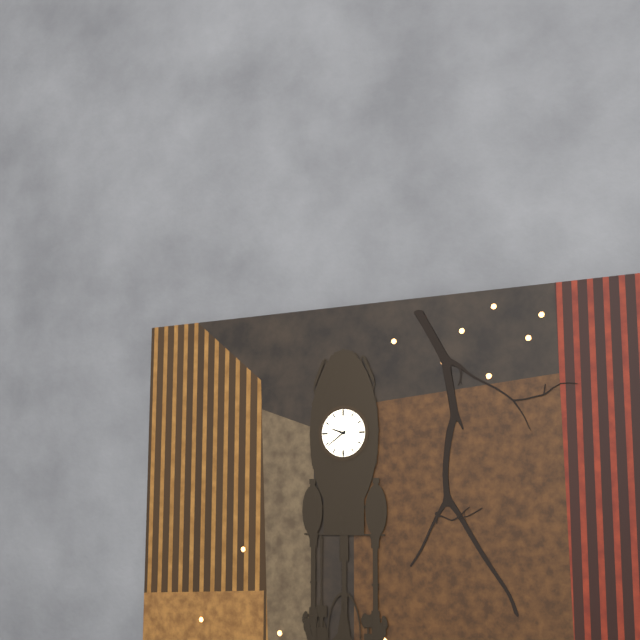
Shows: 9:39
